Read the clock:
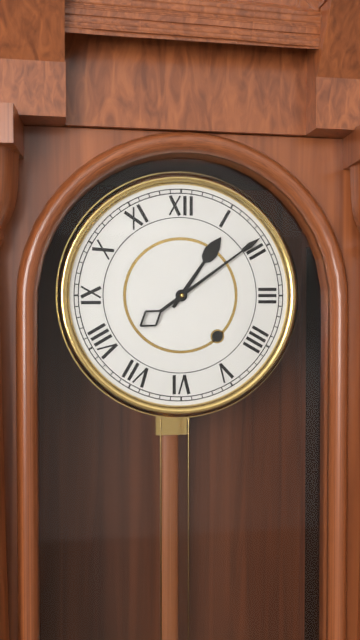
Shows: 1:09
